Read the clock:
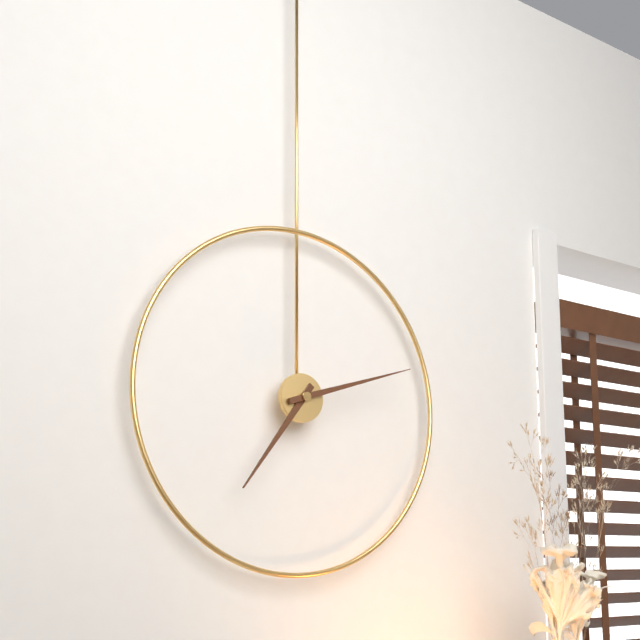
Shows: 7:12
